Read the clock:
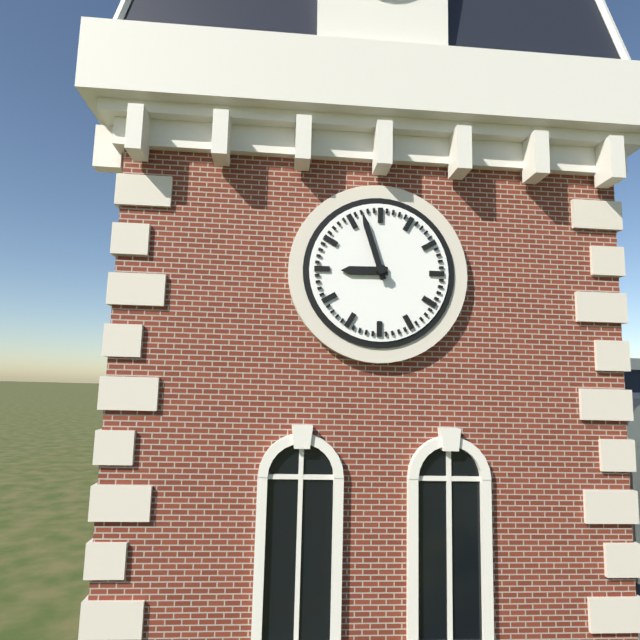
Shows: 8:57
